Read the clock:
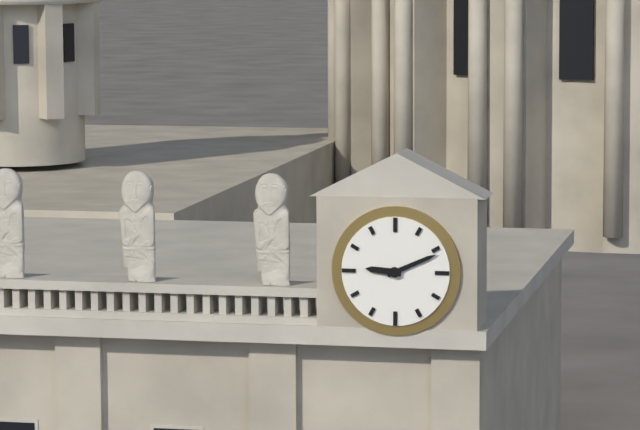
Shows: 9:11
